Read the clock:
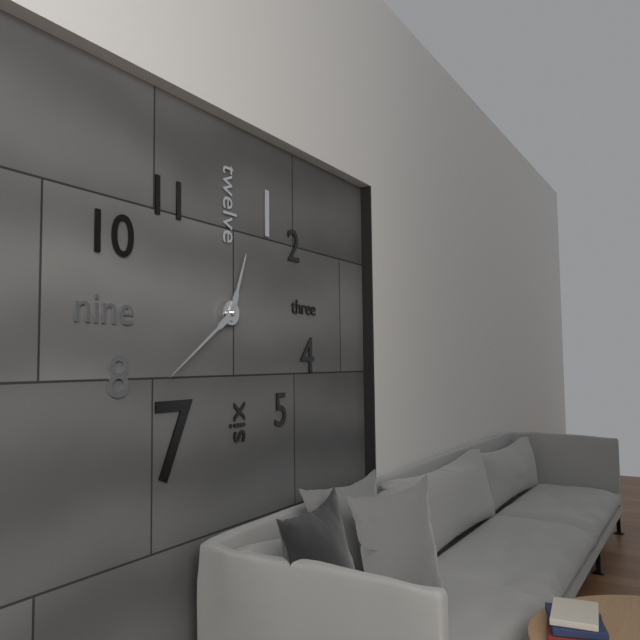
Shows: 12:39
